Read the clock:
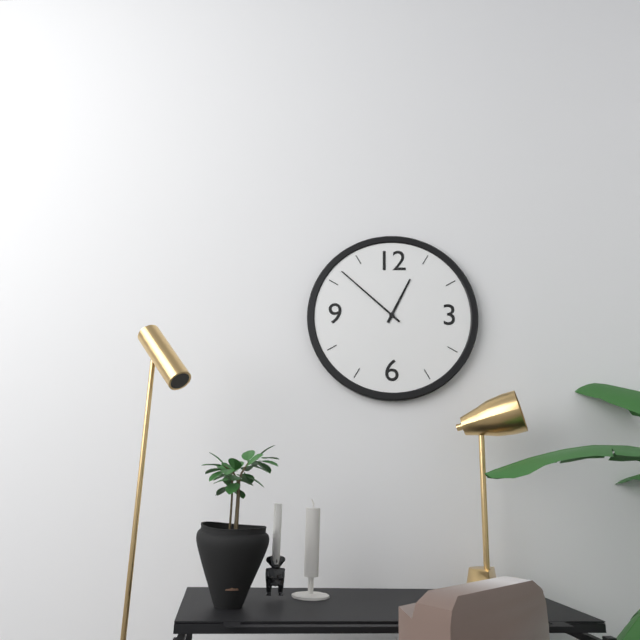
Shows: 12:52
